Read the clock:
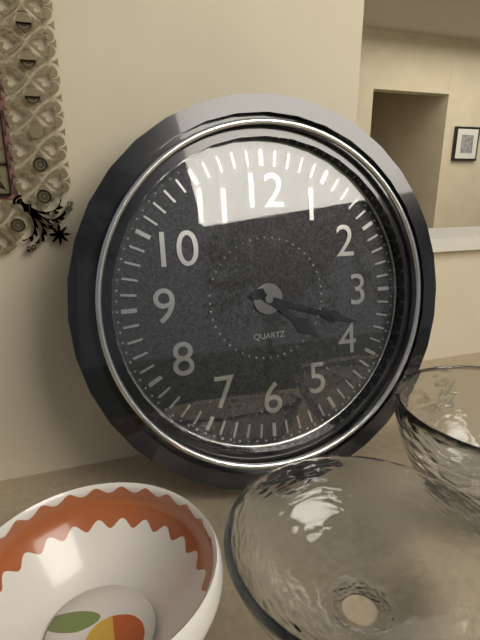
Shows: 4:18
